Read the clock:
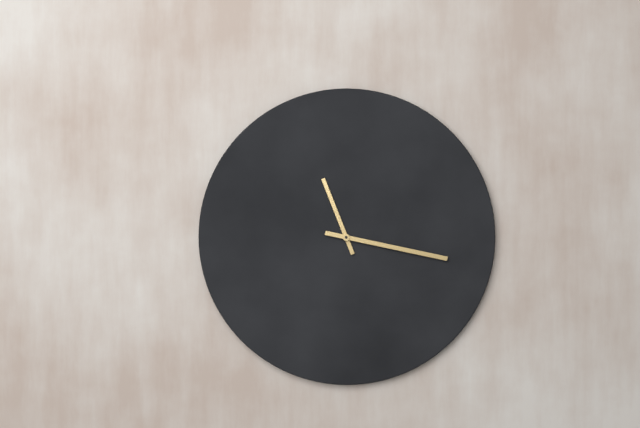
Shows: 11:17
